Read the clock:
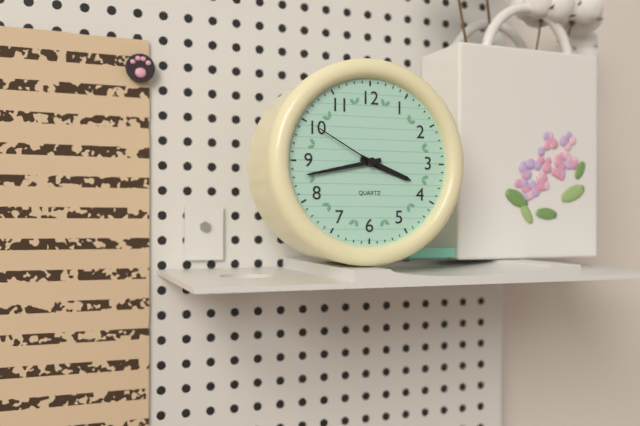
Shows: 3:43:50
